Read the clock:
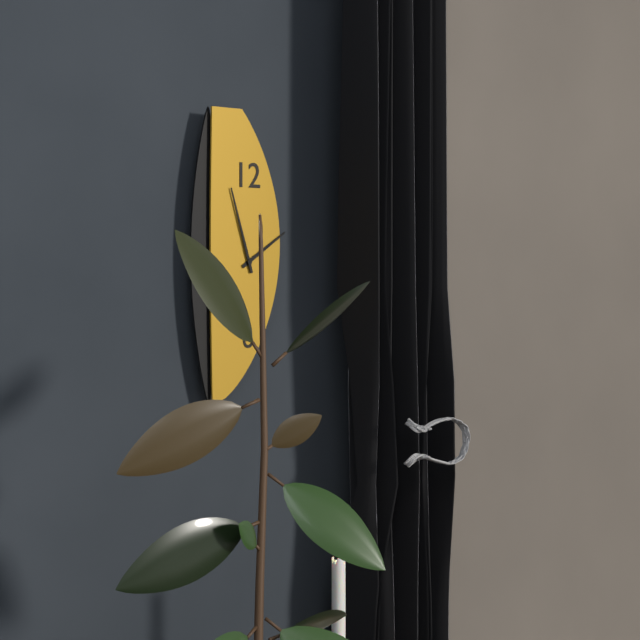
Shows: 1:57
